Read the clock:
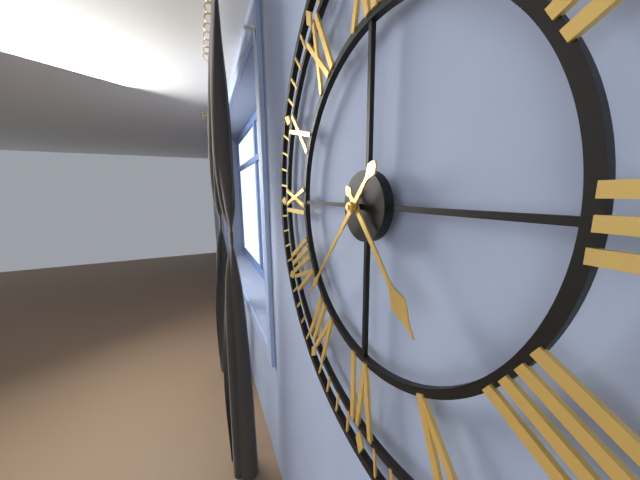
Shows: 4:37
